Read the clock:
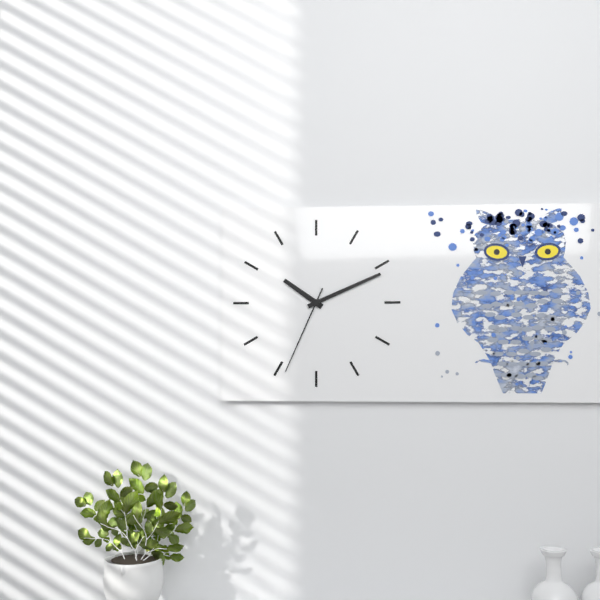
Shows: 10:11:34
